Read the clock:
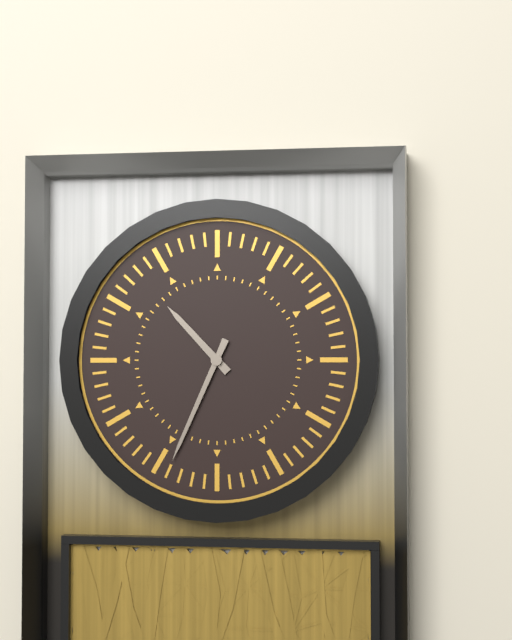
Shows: 10:34
